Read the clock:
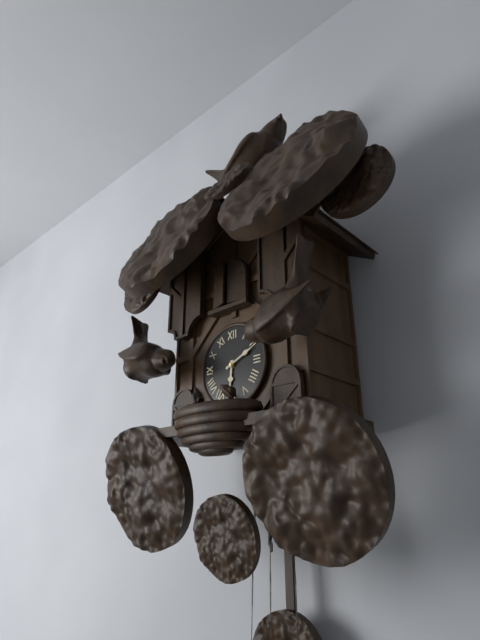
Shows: 6:11
